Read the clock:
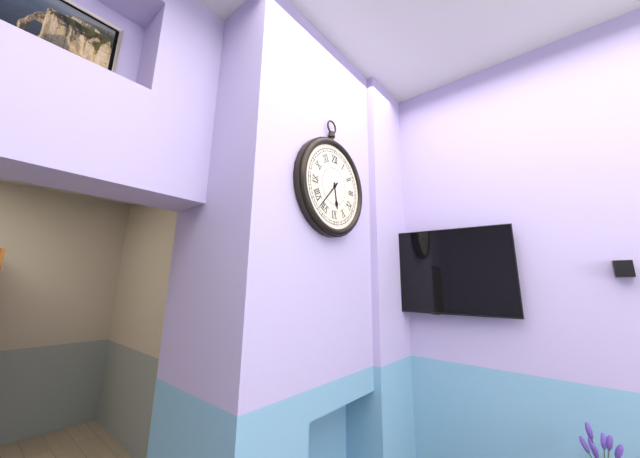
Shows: 5:37
